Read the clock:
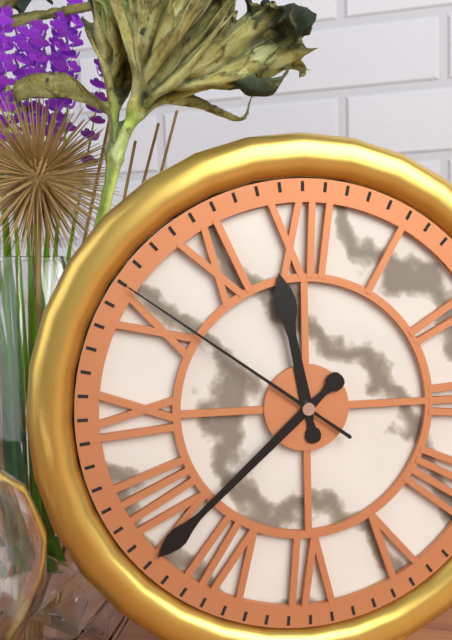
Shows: 11:38:51
